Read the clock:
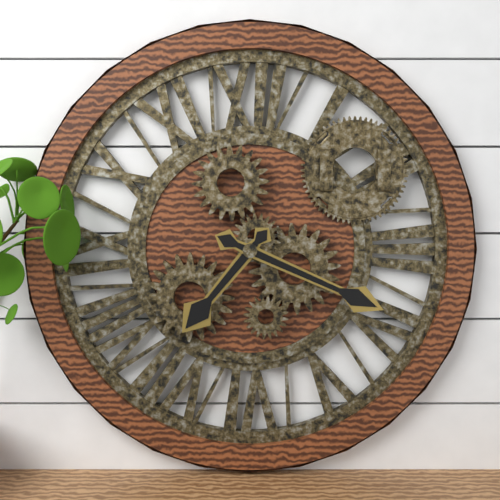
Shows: 7:19
